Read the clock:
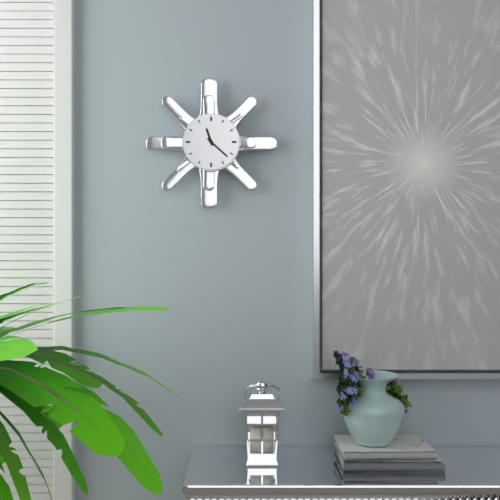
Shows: 11:22
